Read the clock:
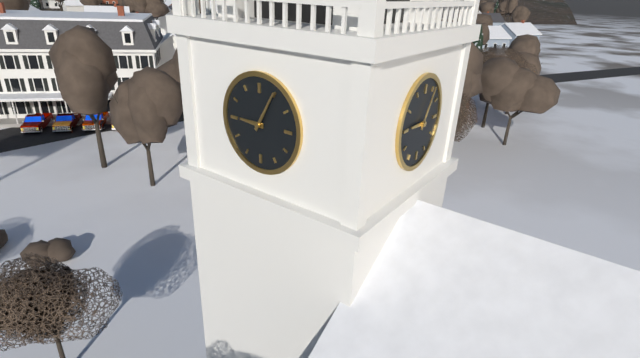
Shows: 9:05
